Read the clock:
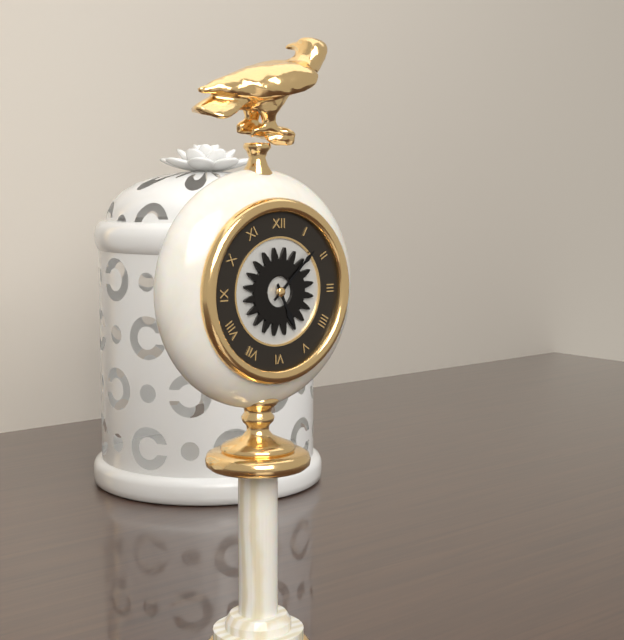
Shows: 5:08
